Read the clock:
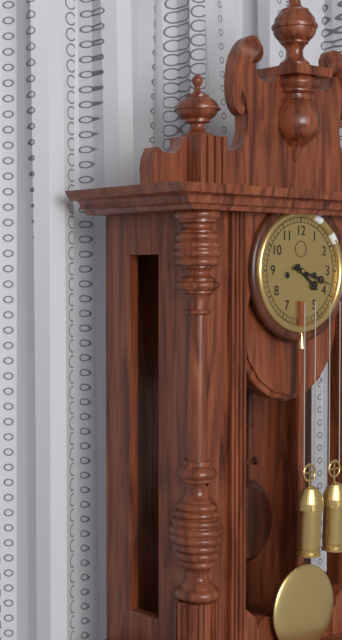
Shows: 4:18
